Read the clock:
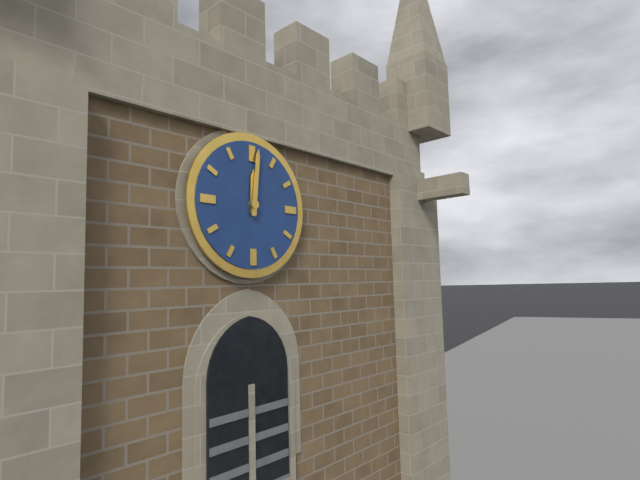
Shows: 12:01
